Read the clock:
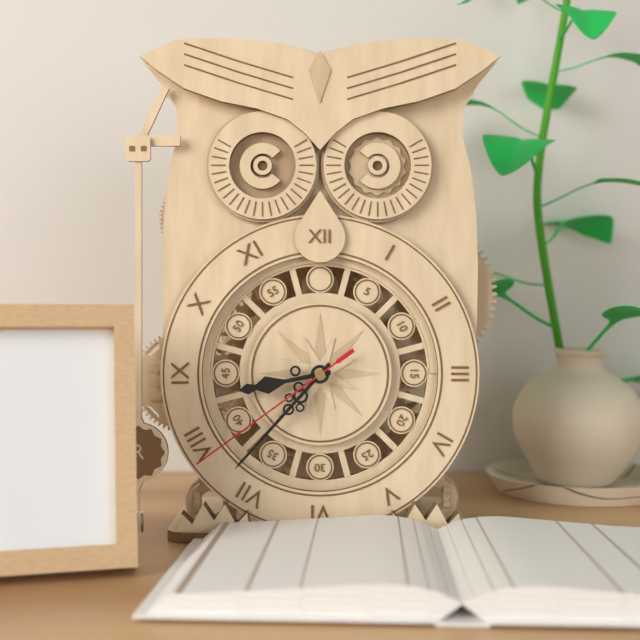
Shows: 8:37:39
